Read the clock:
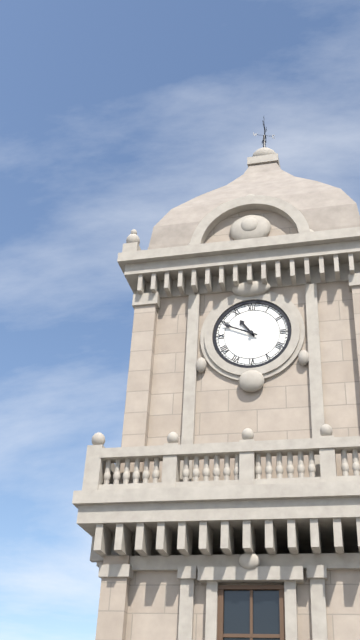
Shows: 10:49
